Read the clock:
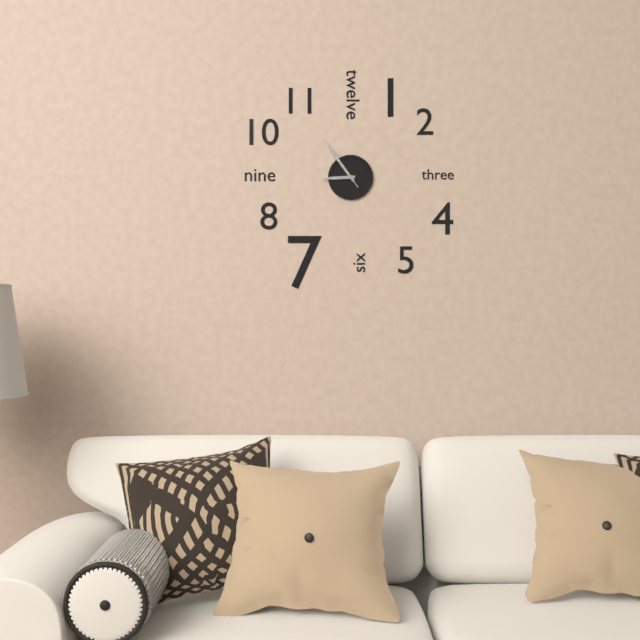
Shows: 8:54:54
